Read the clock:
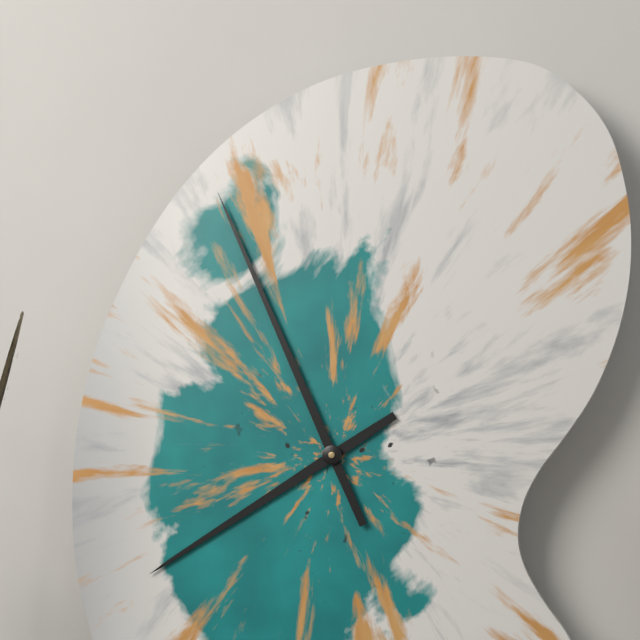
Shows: 7:56
